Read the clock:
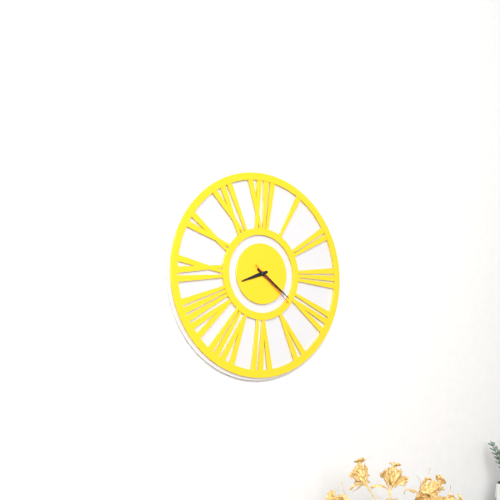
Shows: 8:21:22
